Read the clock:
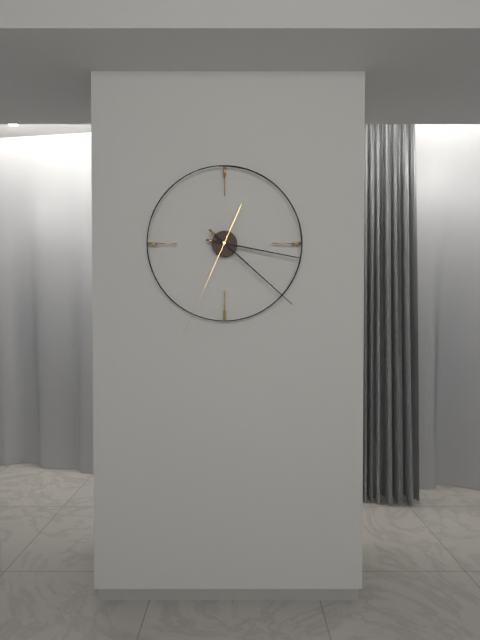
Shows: 3:22:34
